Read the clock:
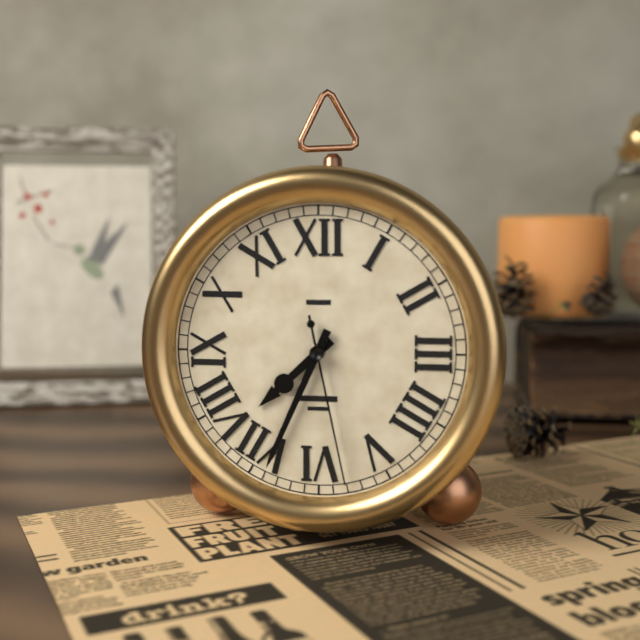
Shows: 7:34:28
